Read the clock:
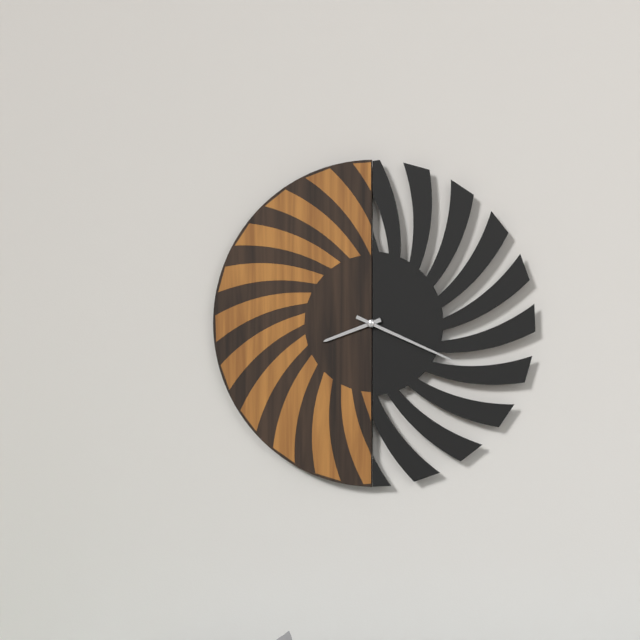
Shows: 8:19
